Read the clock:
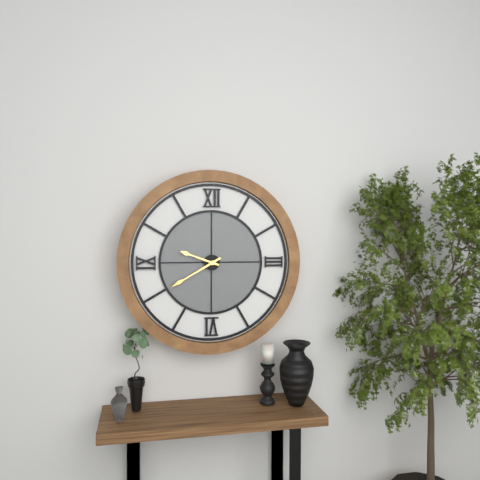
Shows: 9:40
